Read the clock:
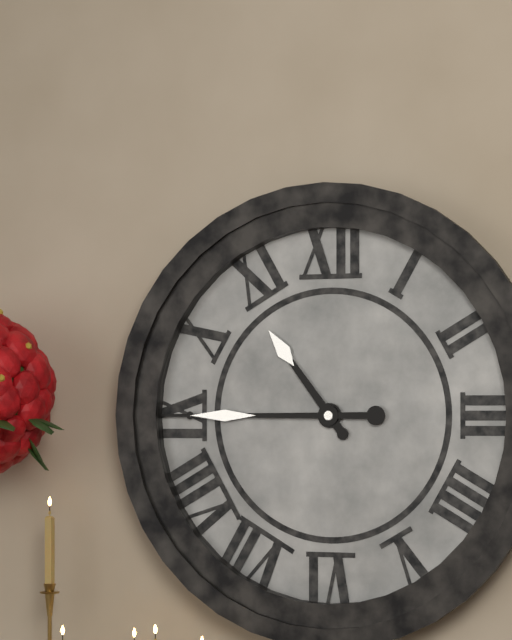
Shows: 10:45
